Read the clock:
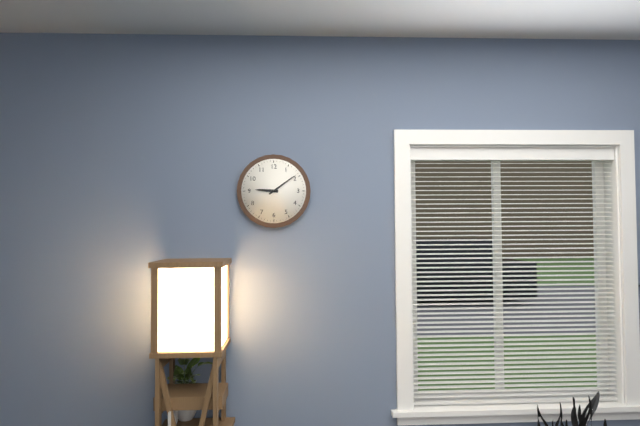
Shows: 9:09
